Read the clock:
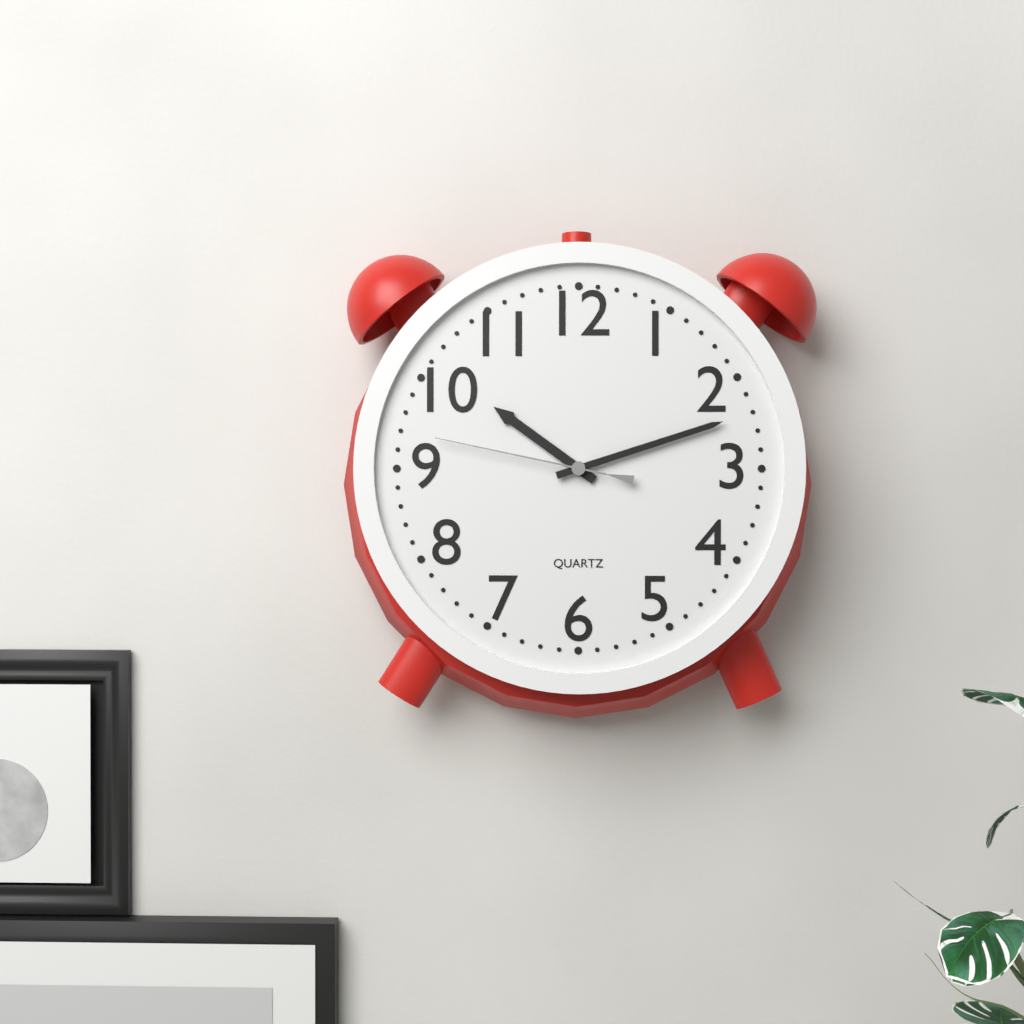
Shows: 10:12:47
